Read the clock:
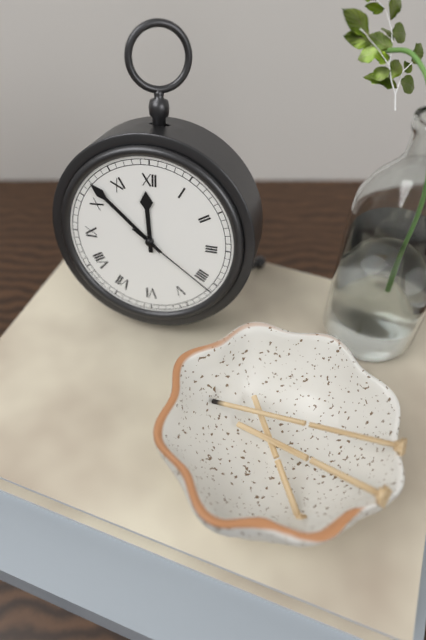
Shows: 11:52:21
